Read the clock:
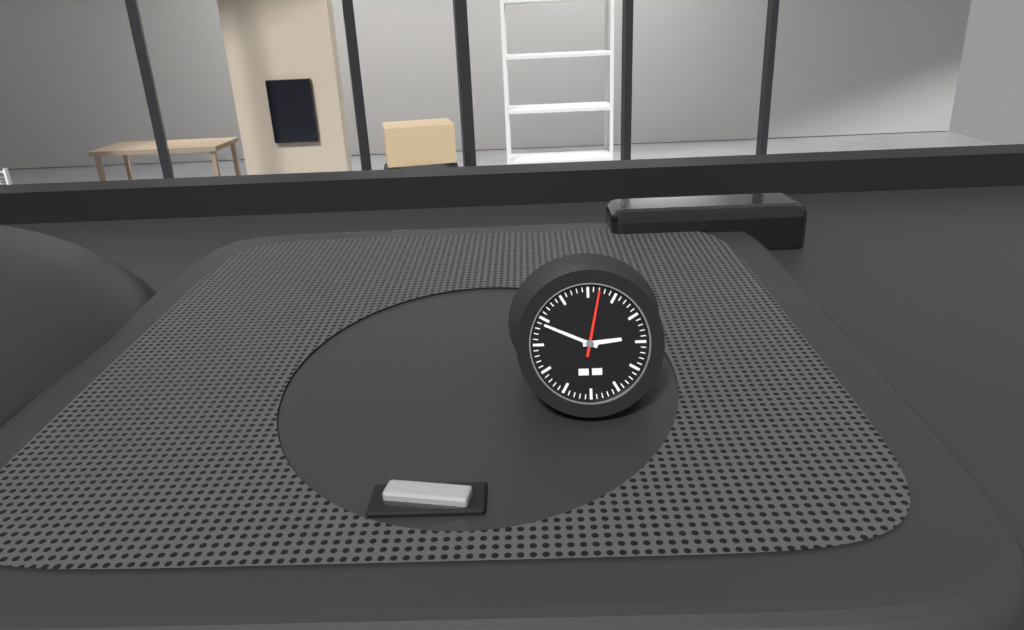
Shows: 2:49:02
